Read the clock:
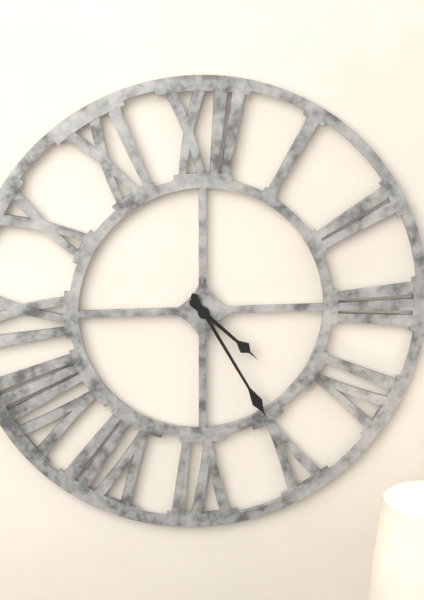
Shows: 4:25
